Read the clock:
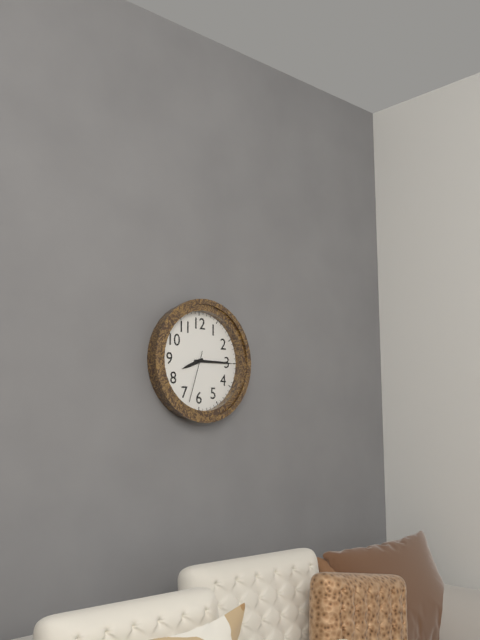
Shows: 8:15:33
